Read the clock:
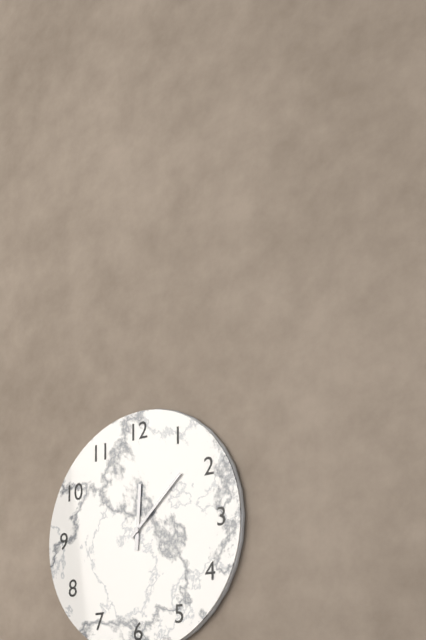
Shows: 12:08
